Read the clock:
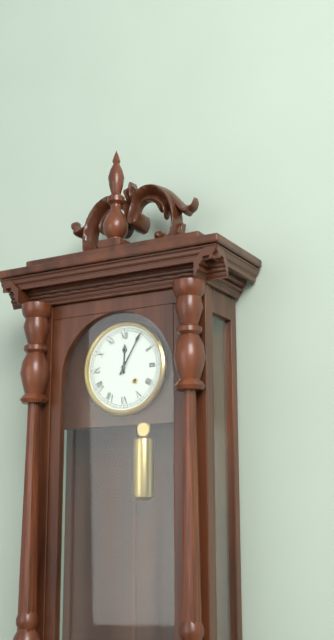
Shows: 12:05
